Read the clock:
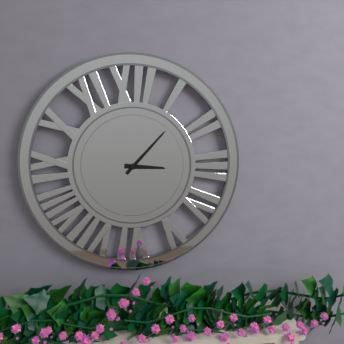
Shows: 3:07
